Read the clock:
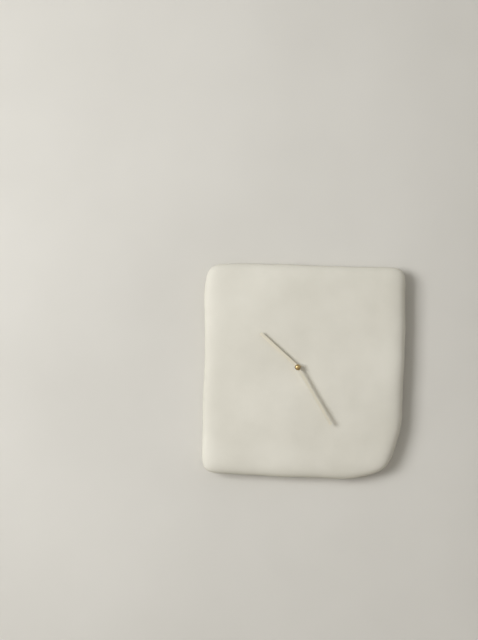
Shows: 10:25
